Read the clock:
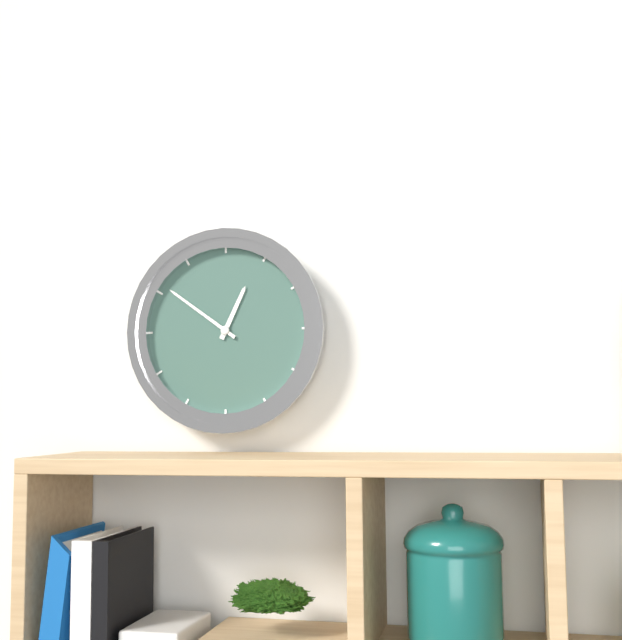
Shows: 12:51
